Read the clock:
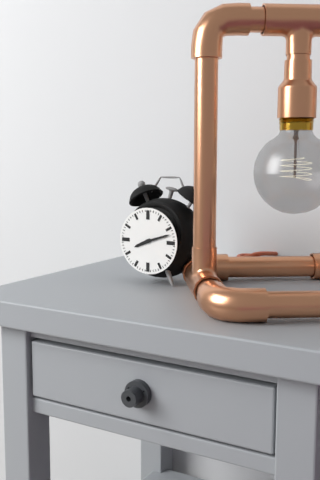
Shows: 8:12
